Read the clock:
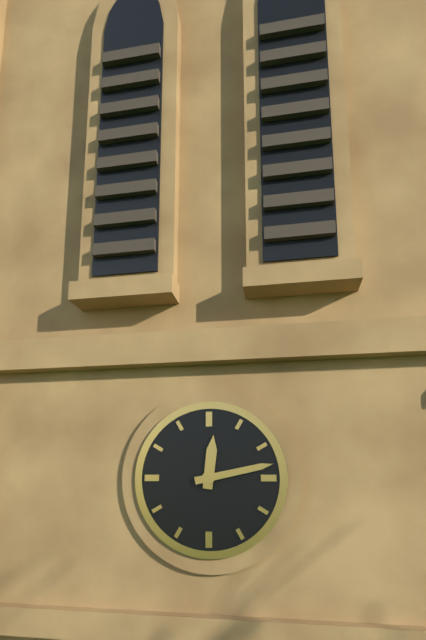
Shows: 12:13
